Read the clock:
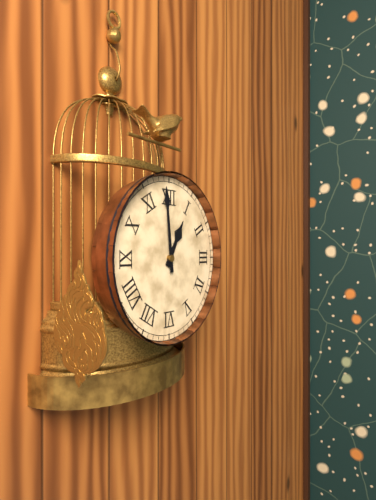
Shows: 12:59
